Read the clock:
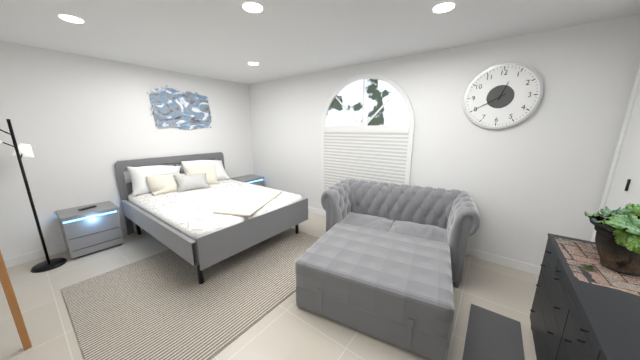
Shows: 12:40
